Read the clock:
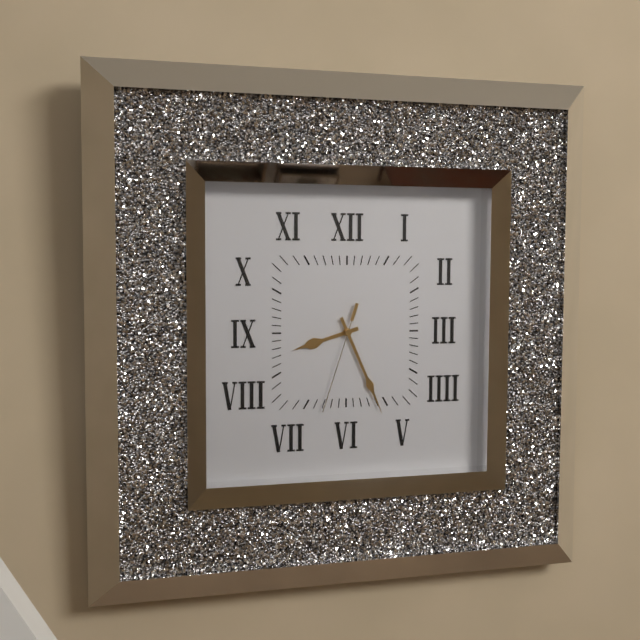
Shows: 8:26:33
